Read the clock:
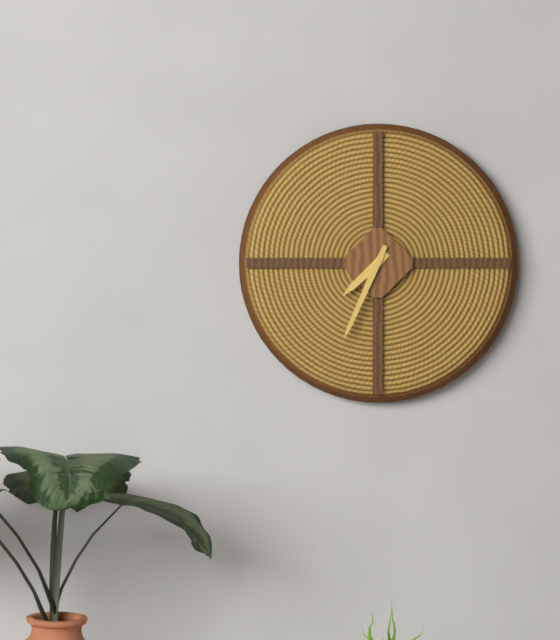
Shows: 7:34
